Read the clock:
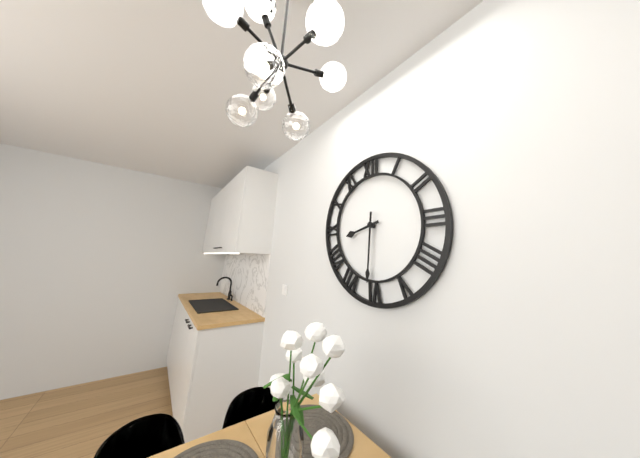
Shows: 8:31
